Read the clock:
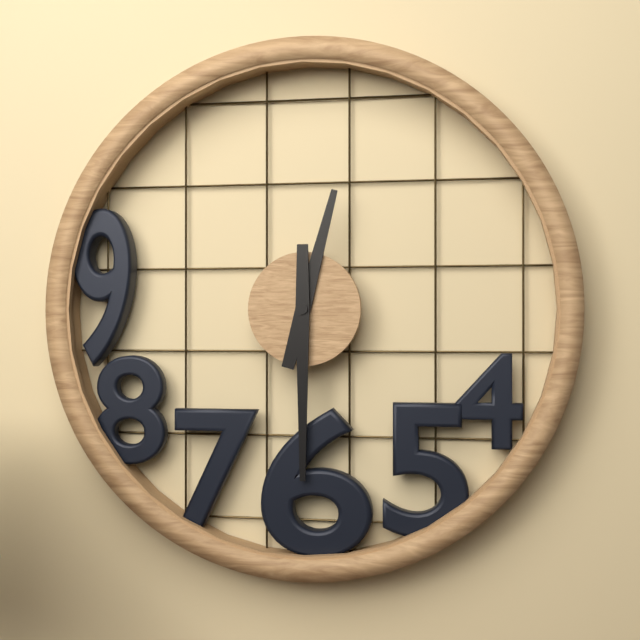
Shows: 12:30
